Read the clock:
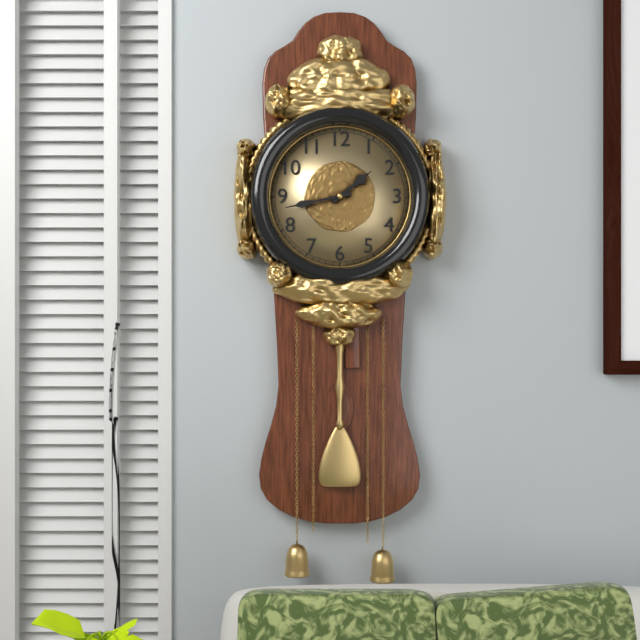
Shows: 1:43
